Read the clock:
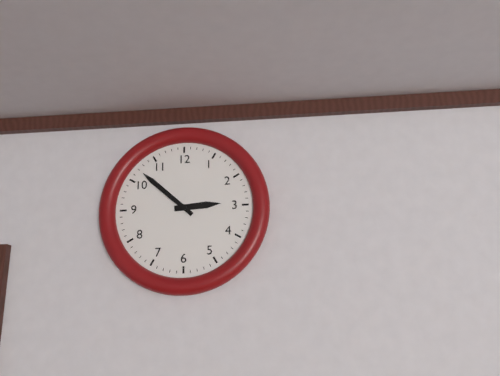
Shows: 2:52
